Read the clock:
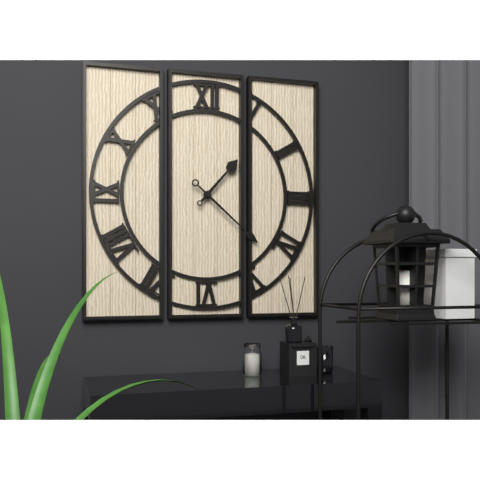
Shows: 1:22
